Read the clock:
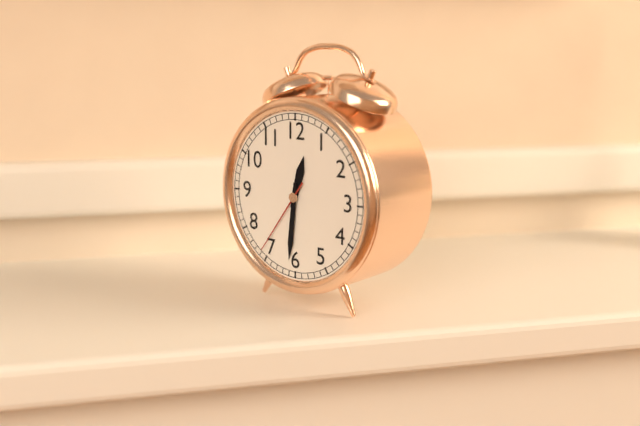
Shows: 12:31:36
